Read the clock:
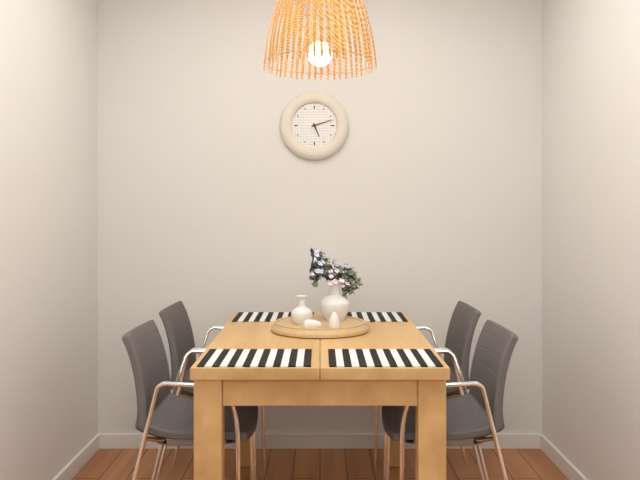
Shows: 5:12
